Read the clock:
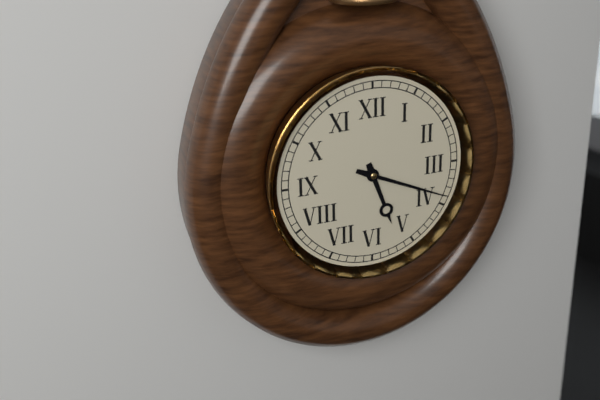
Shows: 5:19
